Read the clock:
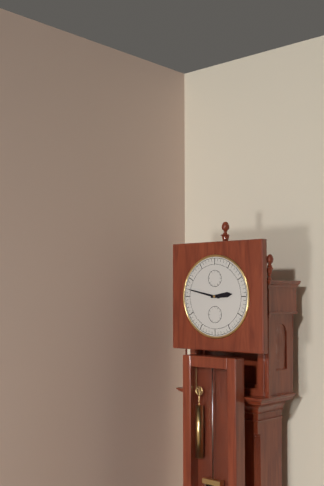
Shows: 2:47
